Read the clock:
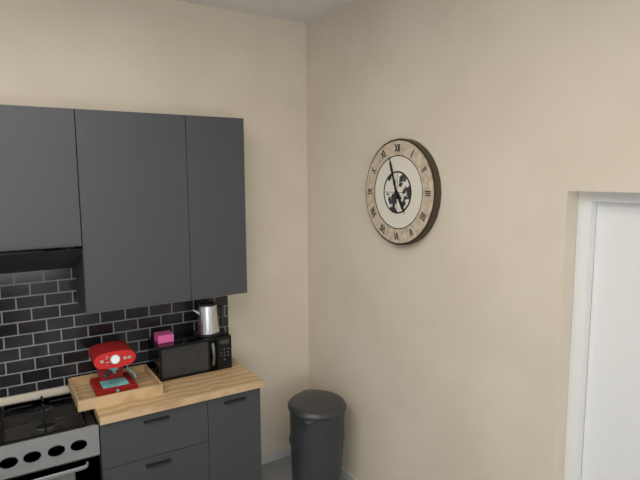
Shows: 4:57
